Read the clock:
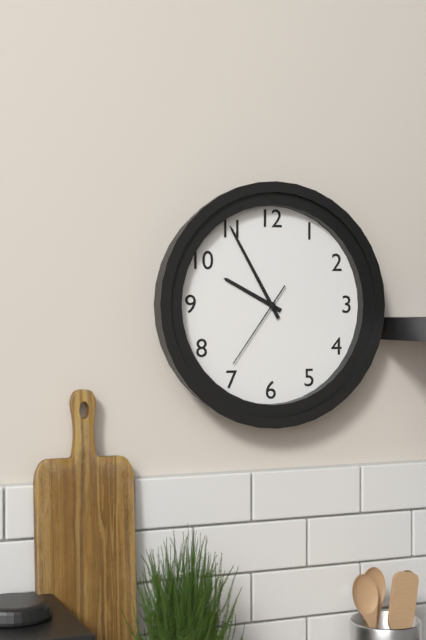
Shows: 9:55:36
